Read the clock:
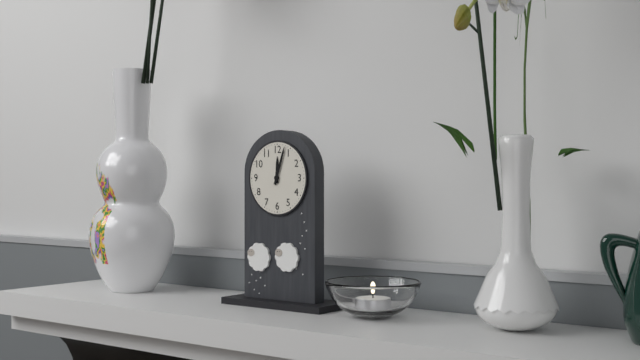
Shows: 12:03
